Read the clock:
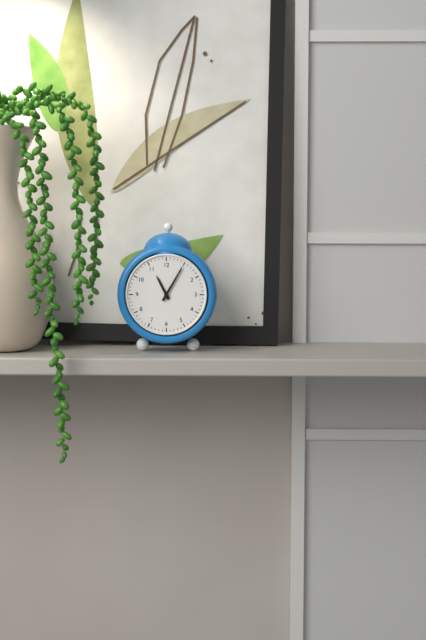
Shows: 11:05
